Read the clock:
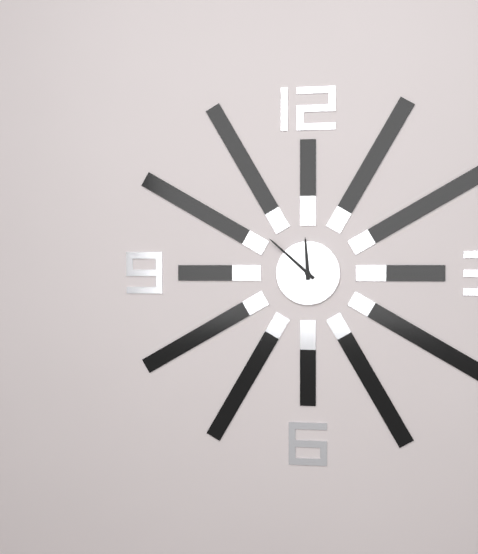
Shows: 11:52
